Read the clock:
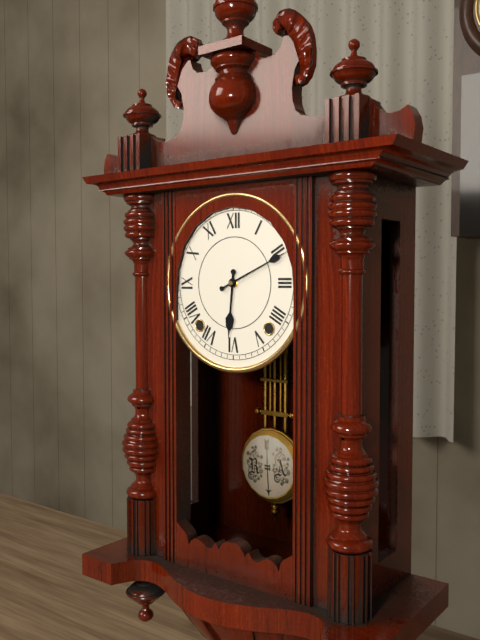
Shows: 6:11
